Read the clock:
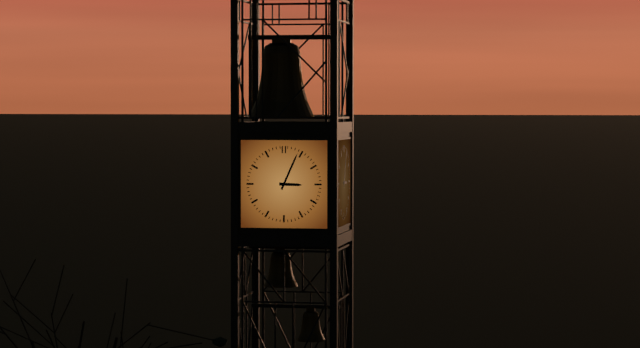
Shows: 3:04
